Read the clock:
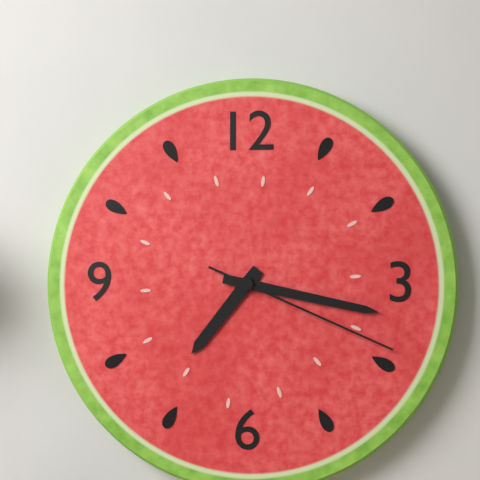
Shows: 7:17:19
